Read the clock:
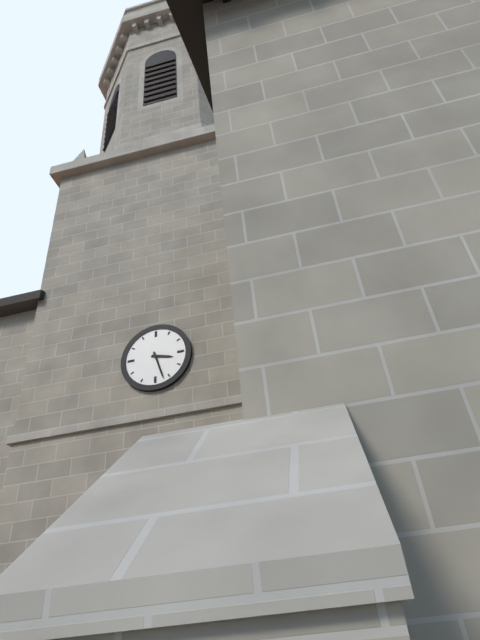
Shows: 3:27
